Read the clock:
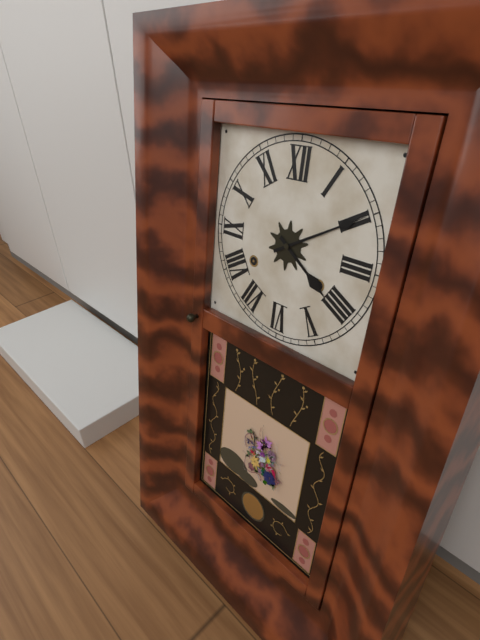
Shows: 4:10
